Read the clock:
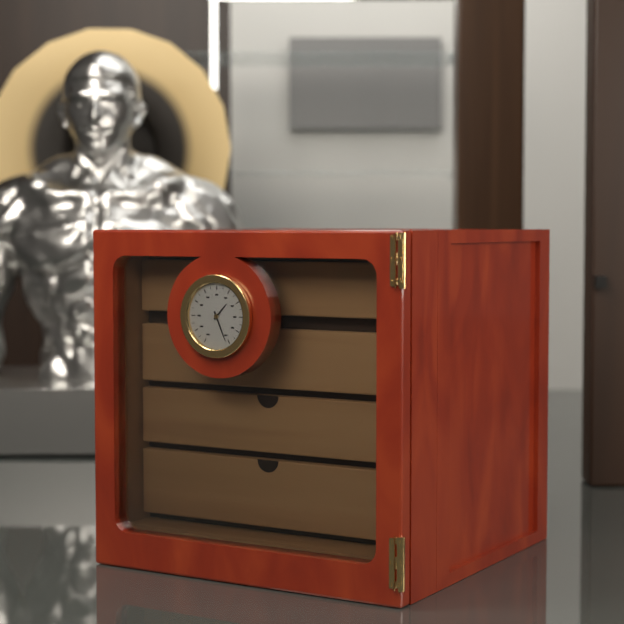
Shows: 1:26
